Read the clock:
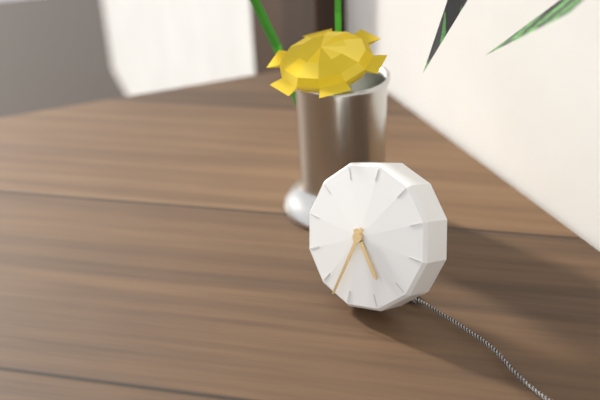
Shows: 4:32
